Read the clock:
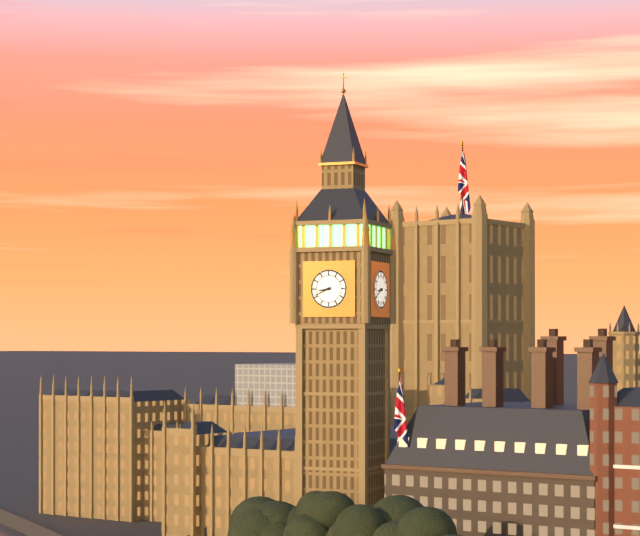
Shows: 8:41
